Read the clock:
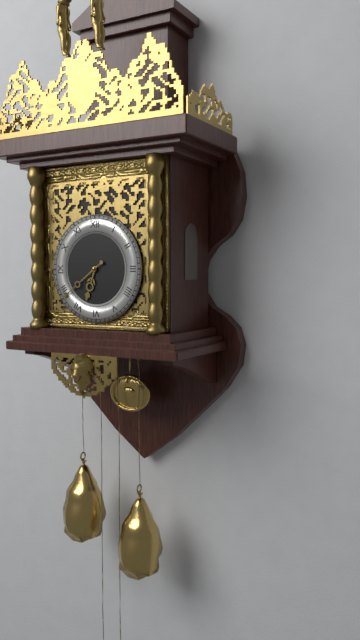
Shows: 6:39
